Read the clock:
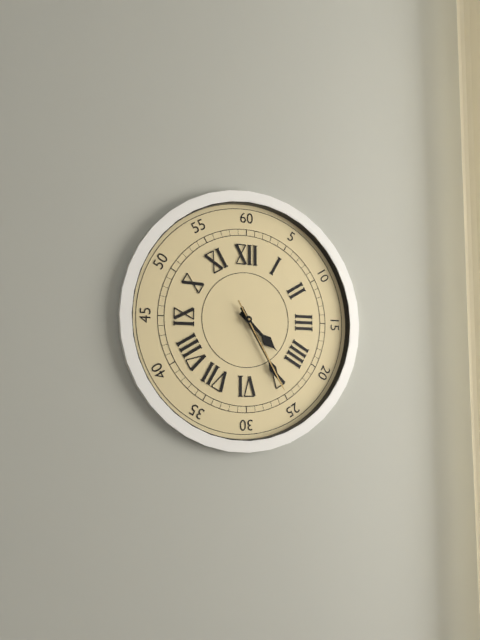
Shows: 4:25:25
